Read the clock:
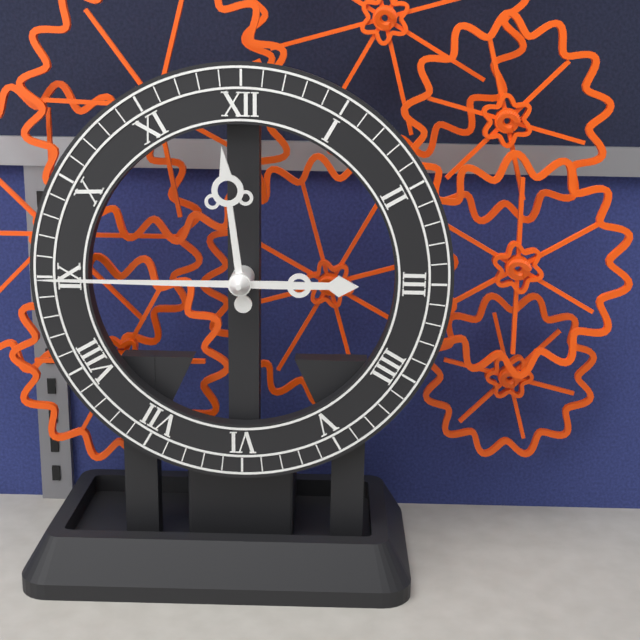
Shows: 11:45
